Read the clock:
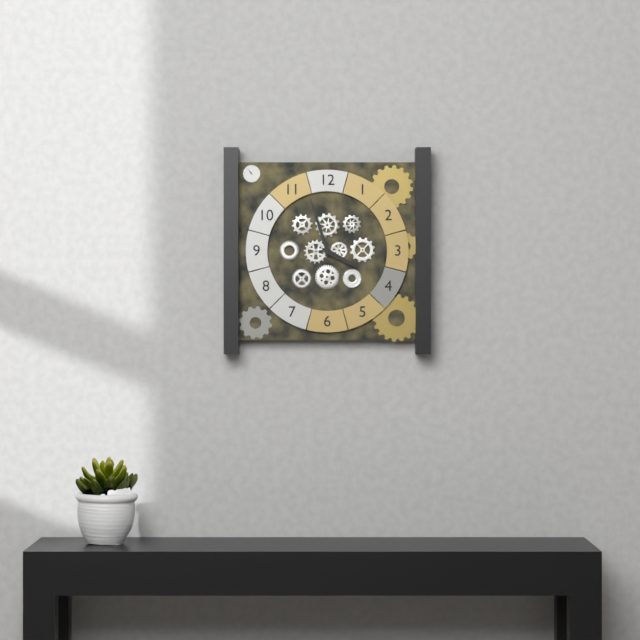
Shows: 3:57
